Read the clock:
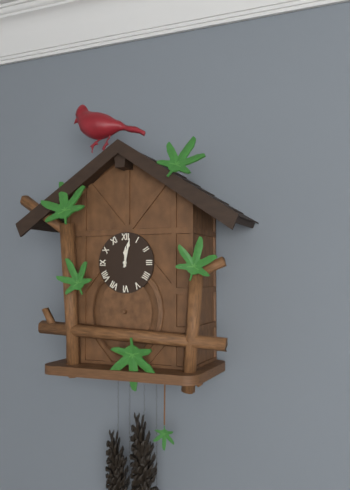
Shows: 12:02
